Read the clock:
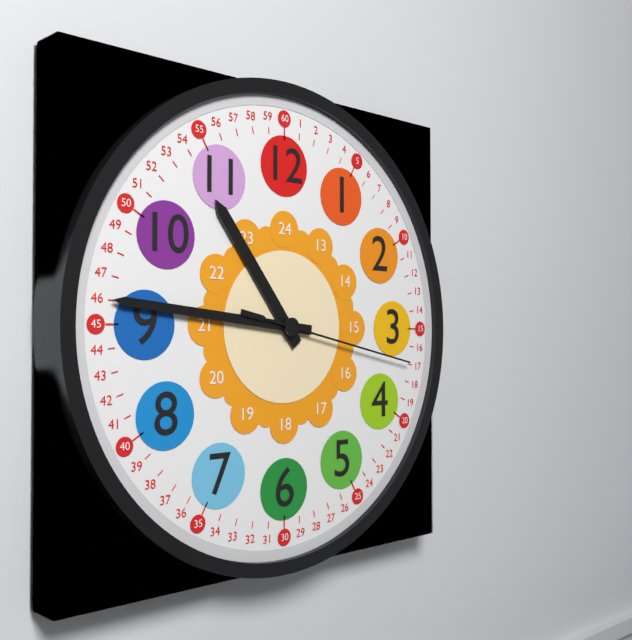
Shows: 10:46:17
